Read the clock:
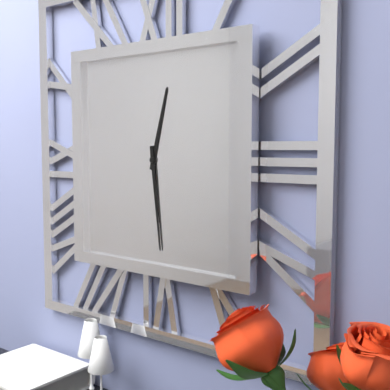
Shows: 12:29
